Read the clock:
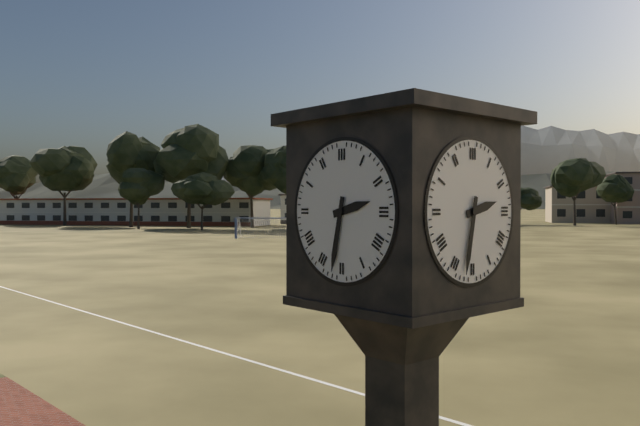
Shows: 2:32
